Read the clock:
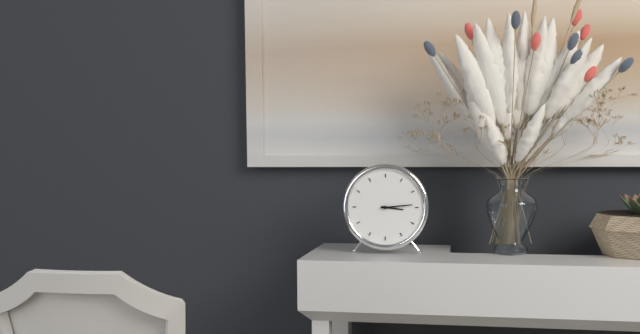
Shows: 3:14
